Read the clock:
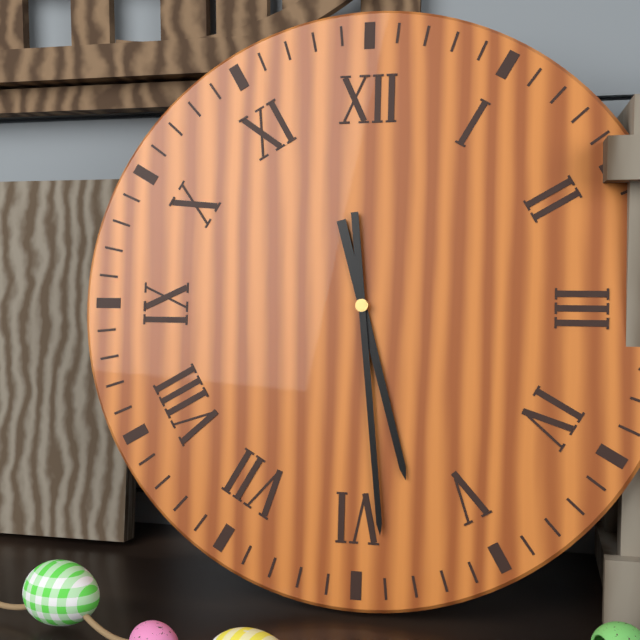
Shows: 5:29
